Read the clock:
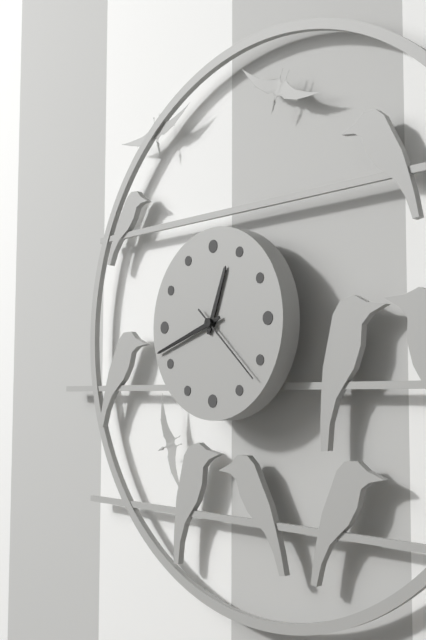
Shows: 12:42:22
